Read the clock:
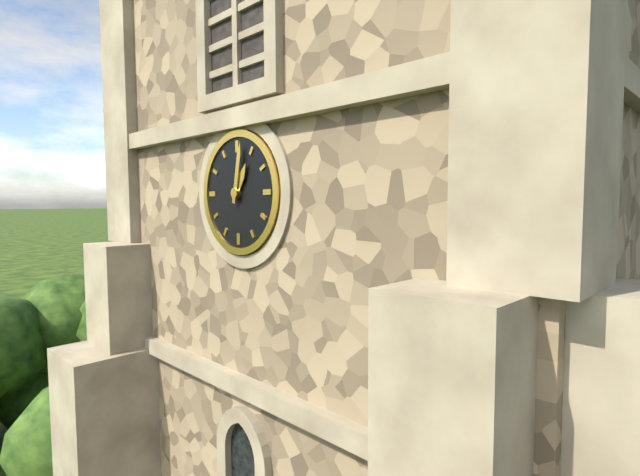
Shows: 1:02
